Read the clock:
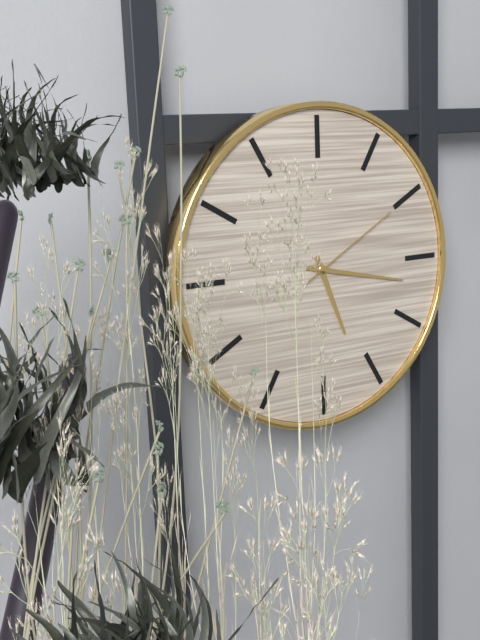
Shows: 5:17:10
